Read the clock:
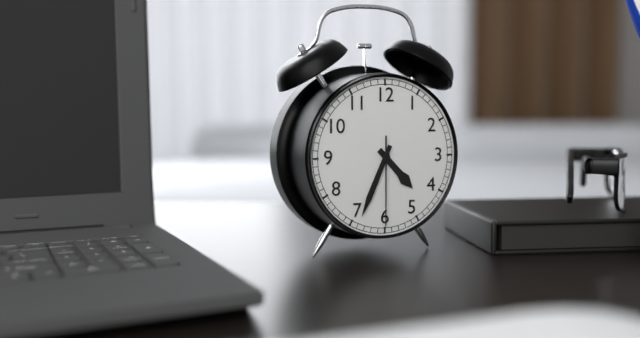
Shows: 4:34:30
